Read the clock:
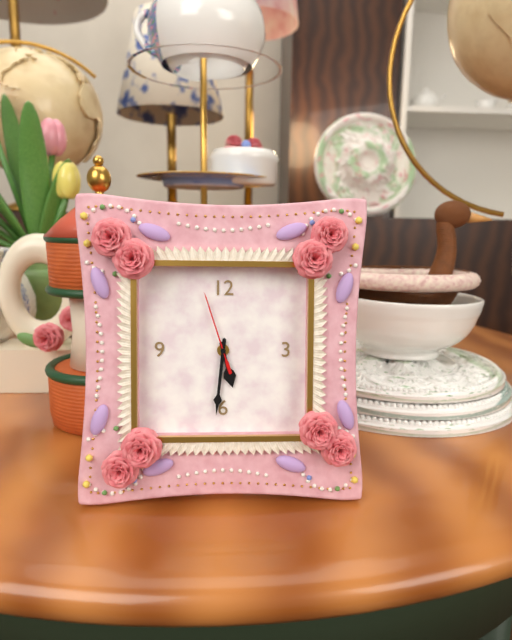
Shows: 5:31:57
